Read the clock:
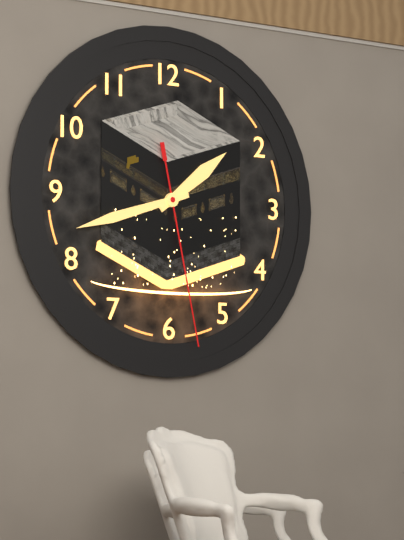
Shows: 1:42:28
